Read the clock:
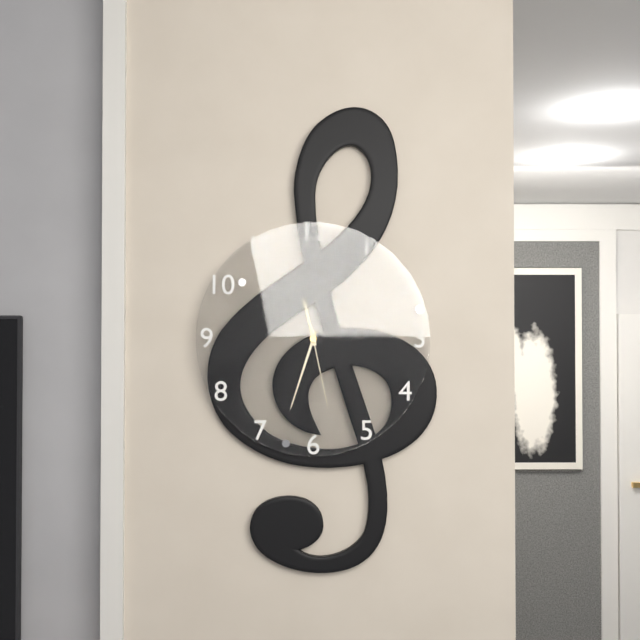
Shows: 11:33:28
